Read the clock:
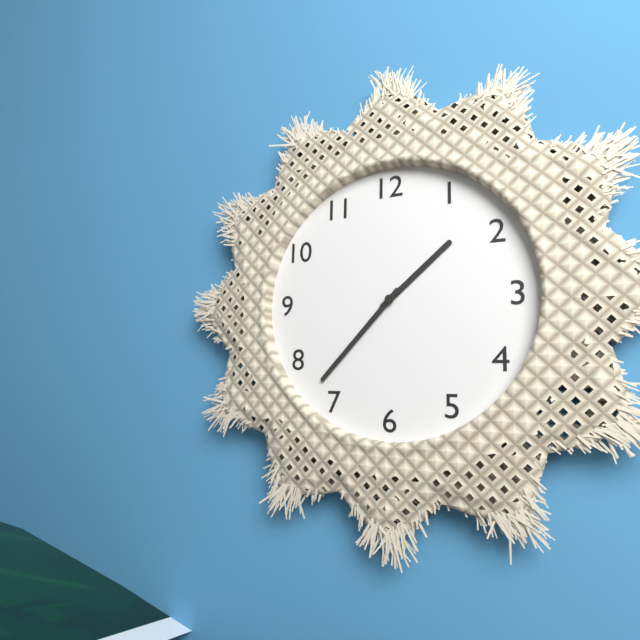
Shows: 1:37
